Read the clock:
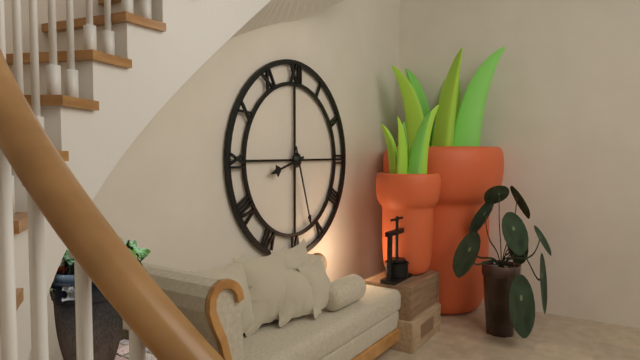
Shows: 8:27
